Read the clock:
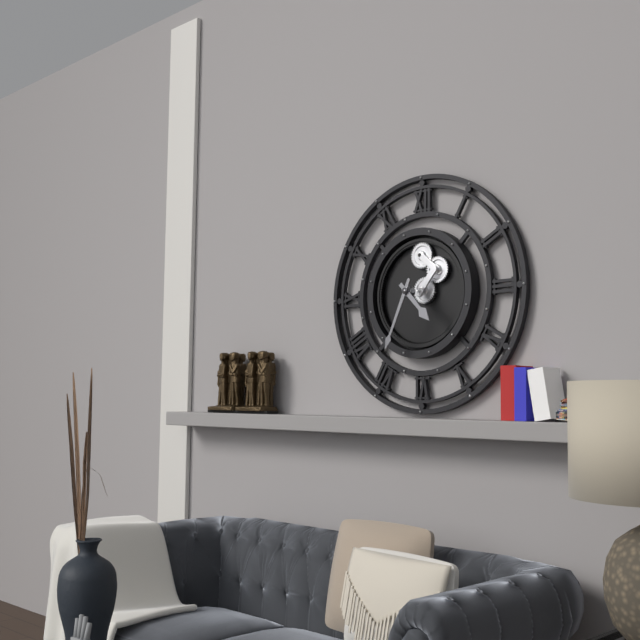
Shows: 4:34
